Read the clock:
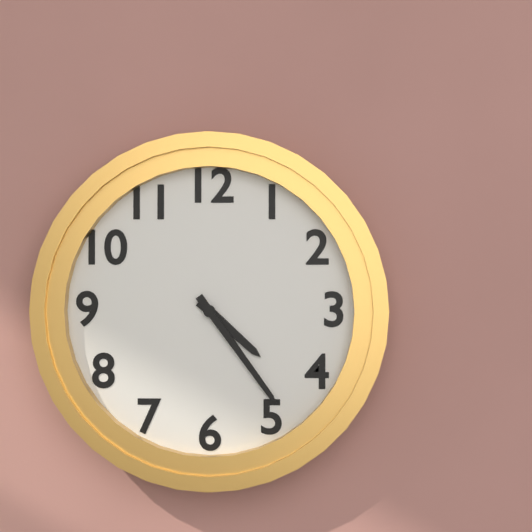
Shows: 4:24
